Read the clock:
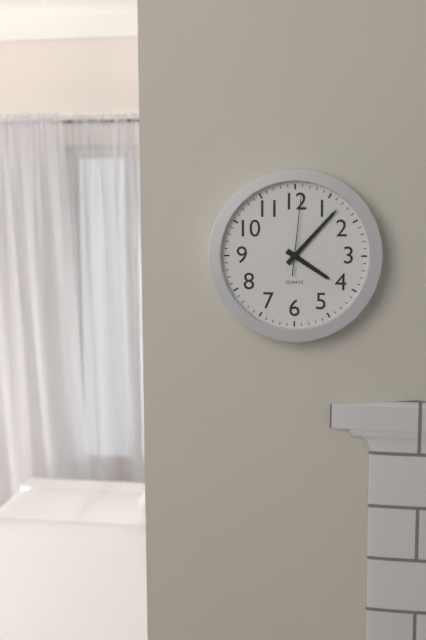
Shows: 4:07:01
